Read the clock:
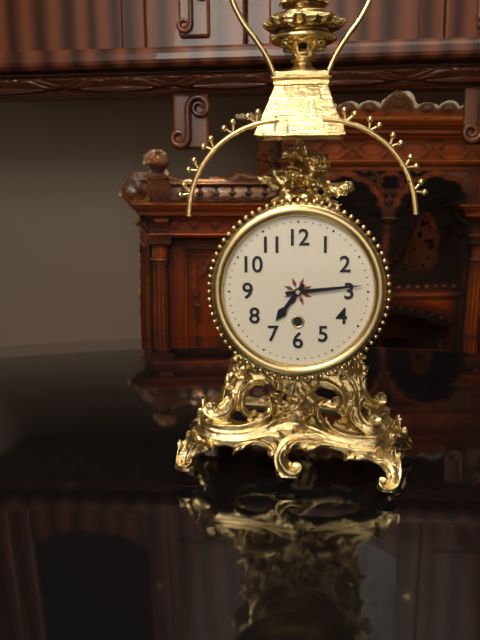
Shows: 7:14
